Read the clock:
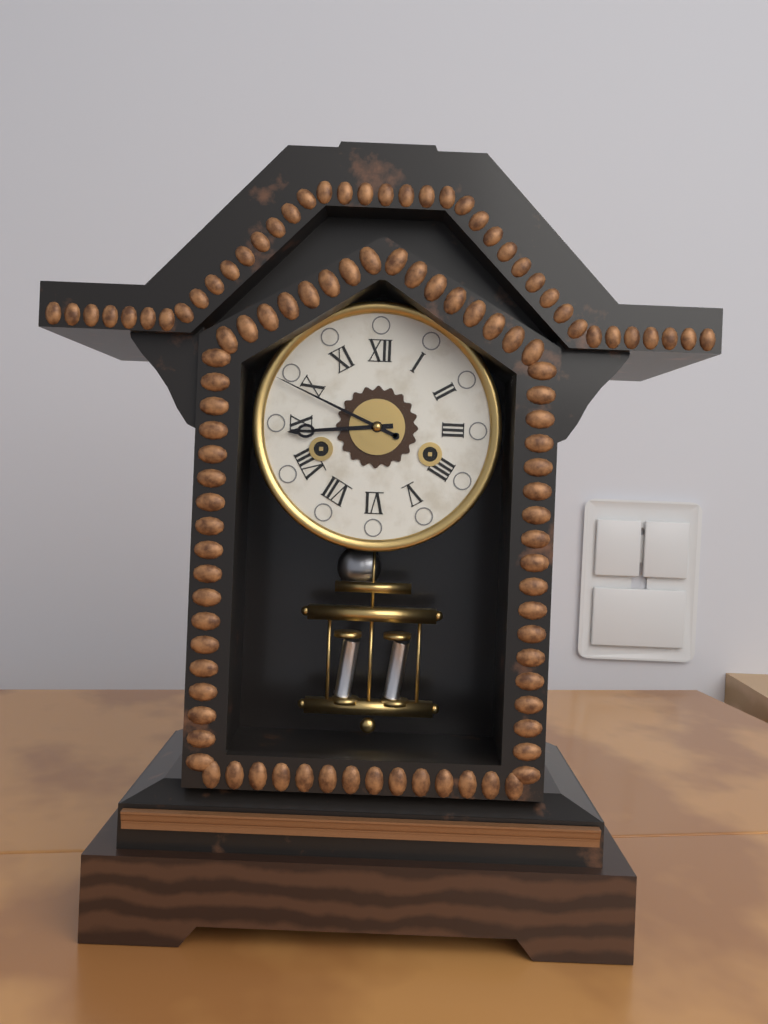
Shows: 8:49
